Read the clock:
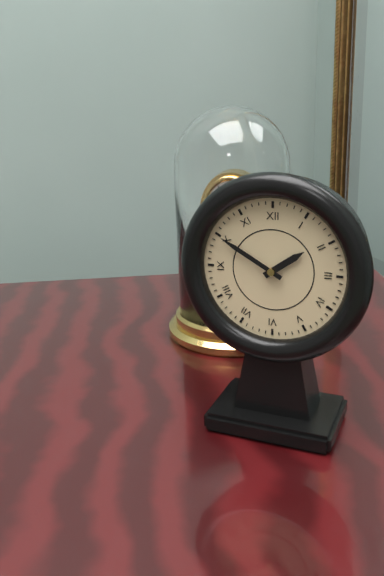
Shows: 1:50
